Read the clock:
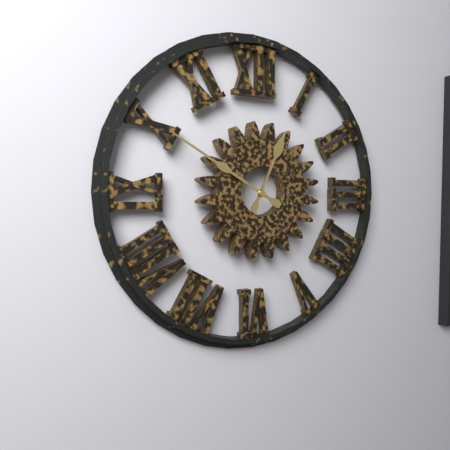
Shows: 12:50
